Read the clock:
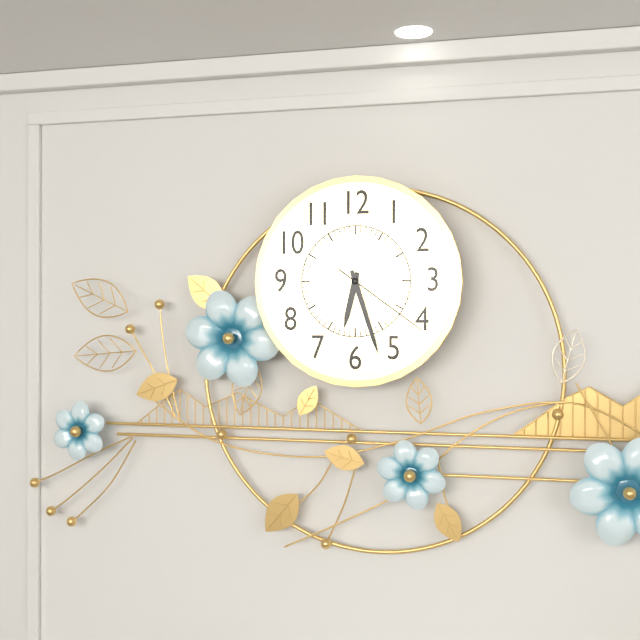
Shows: 6:27:21
